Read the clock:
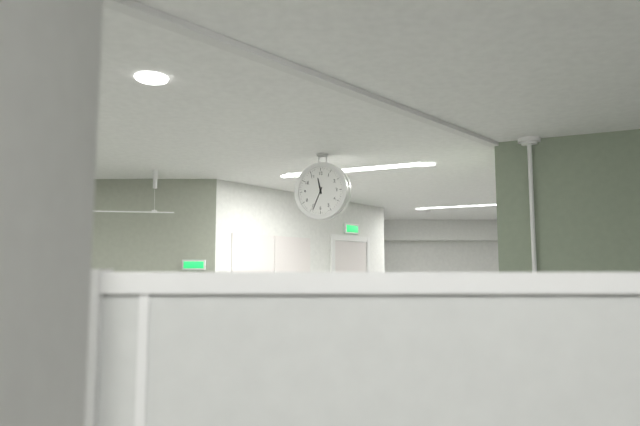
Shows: 11:34
